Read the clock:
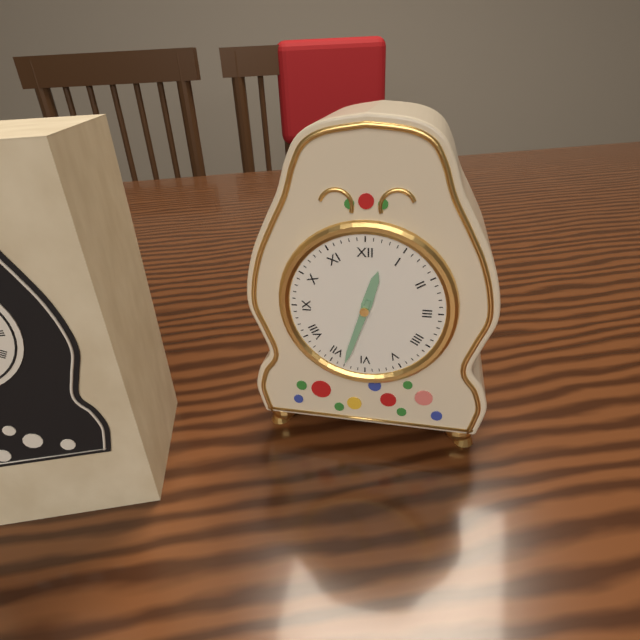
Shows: 12:33
